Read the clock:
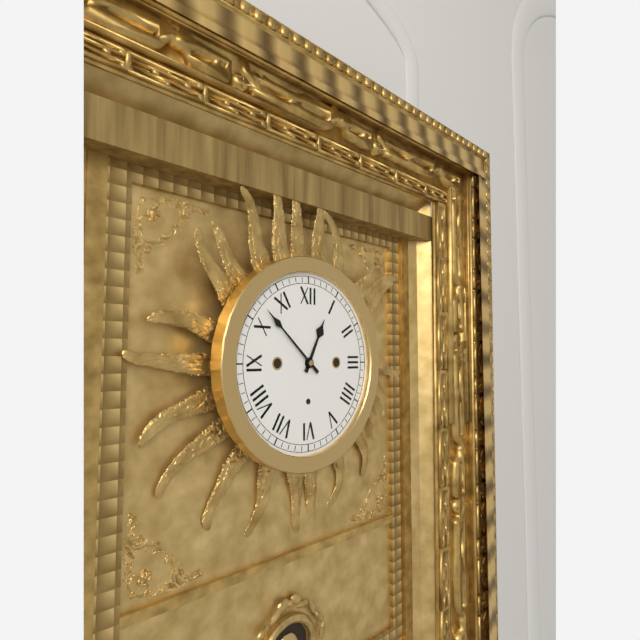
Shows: 12:52
